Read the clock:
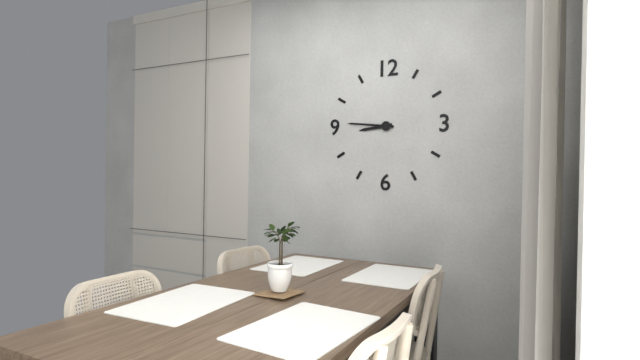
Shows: 8:46
